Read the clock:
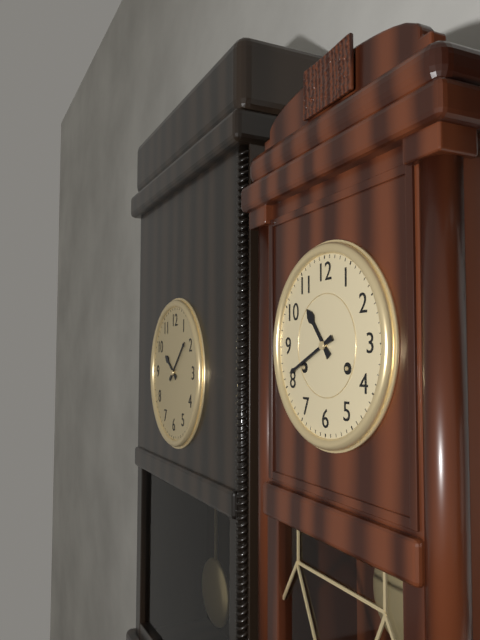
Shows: 10:41
